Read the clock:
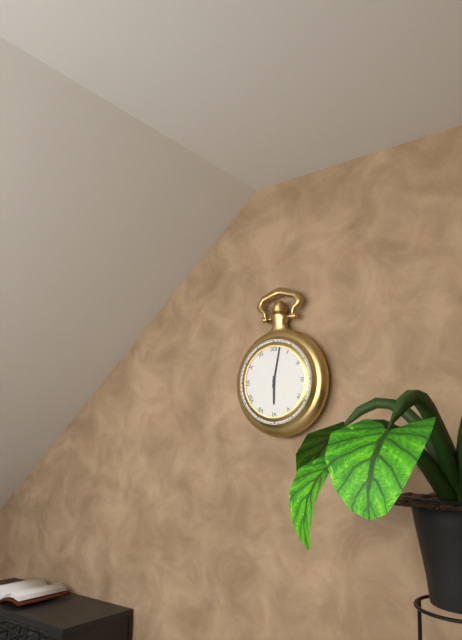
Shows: 6:02
